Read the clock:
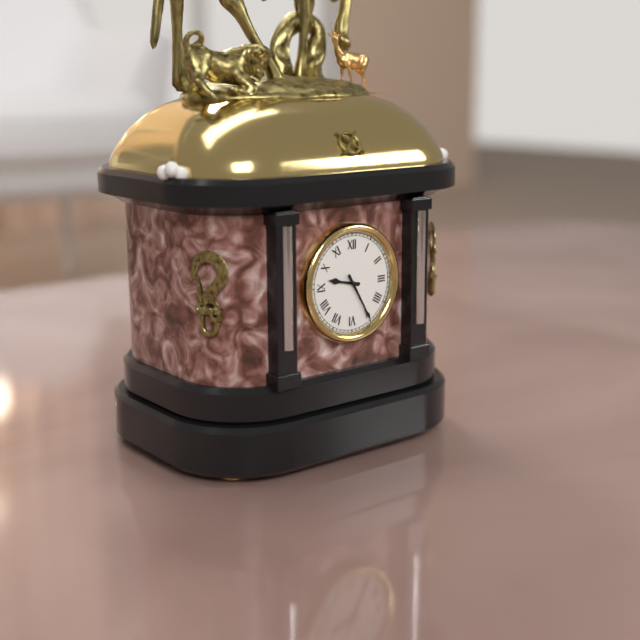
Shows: 9:25
